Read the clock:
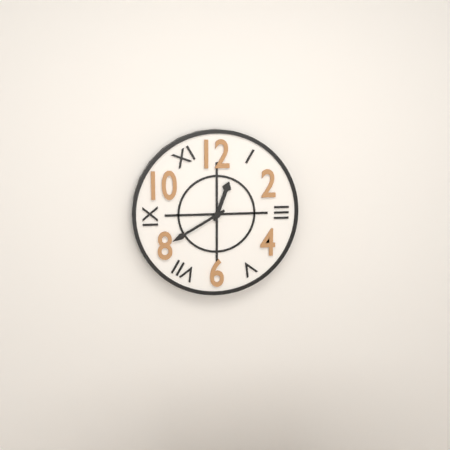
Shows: 12:40
